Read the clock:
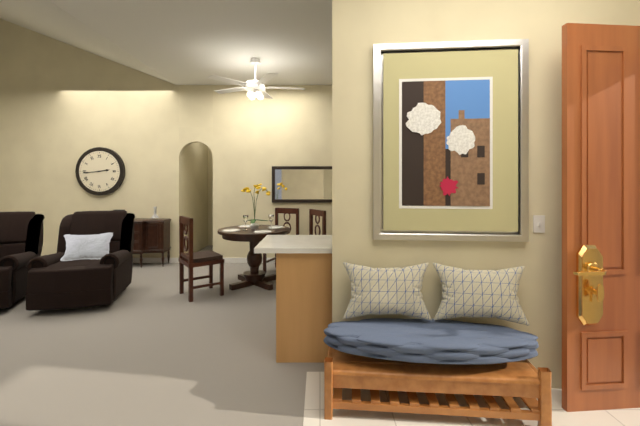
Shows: 2:44
